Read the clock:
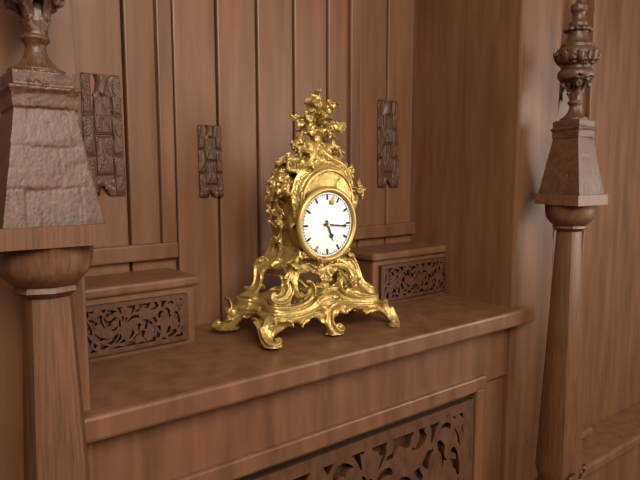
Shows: 5:16
